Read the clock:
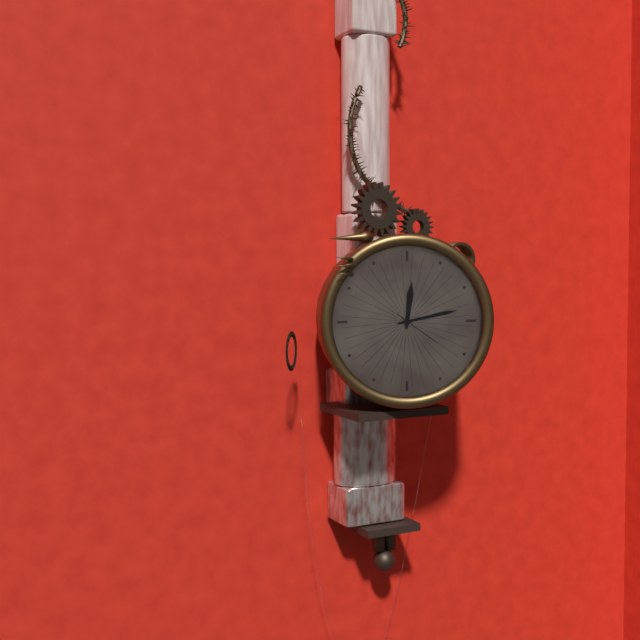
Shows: 12:13
